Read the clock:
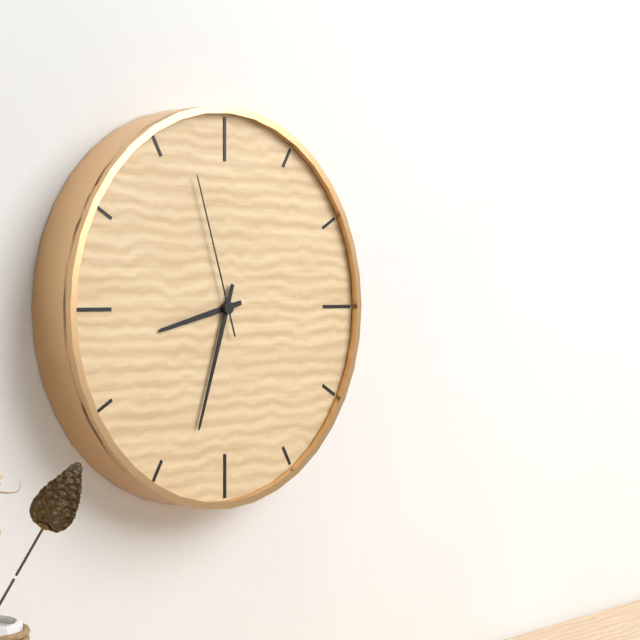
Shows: 8:33:57
